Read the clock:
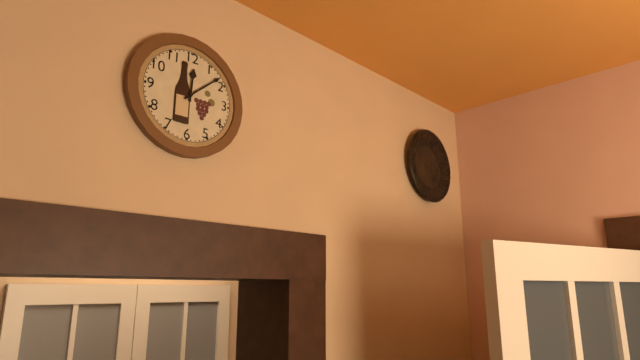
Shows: 12:08
